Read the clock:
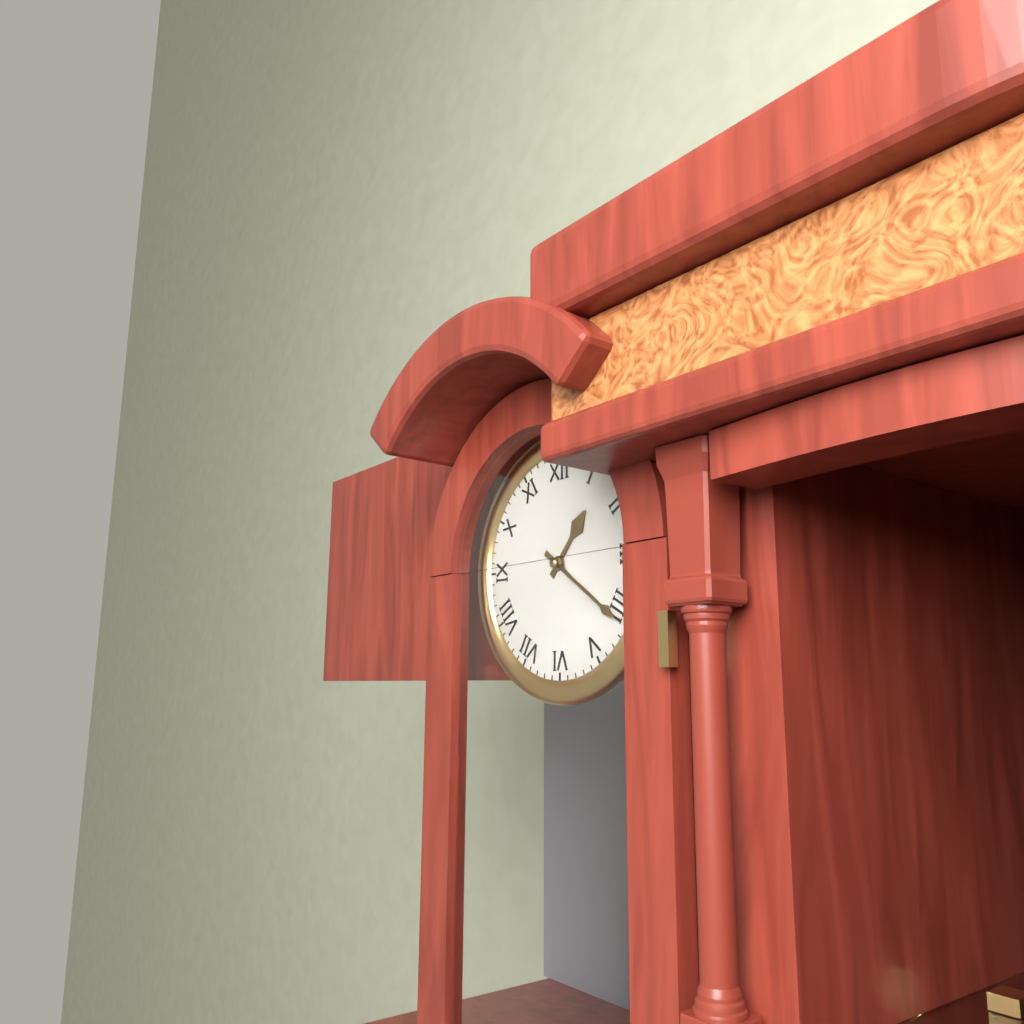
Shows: 1:21
